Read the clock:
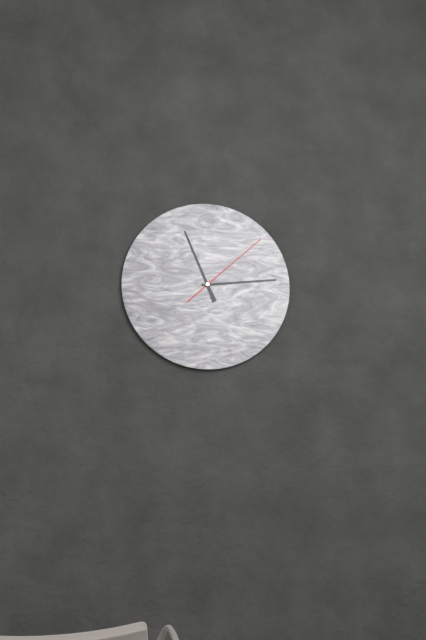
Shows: 11:14:08
